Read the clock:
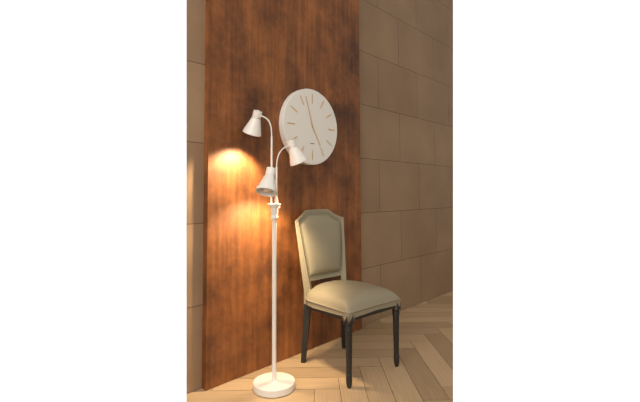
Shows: 4:57
